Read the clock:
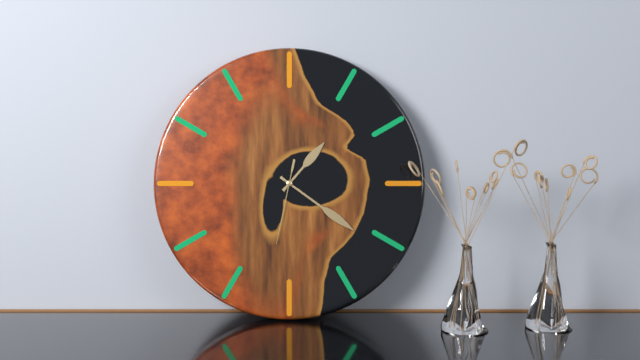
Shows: 1:21:32
